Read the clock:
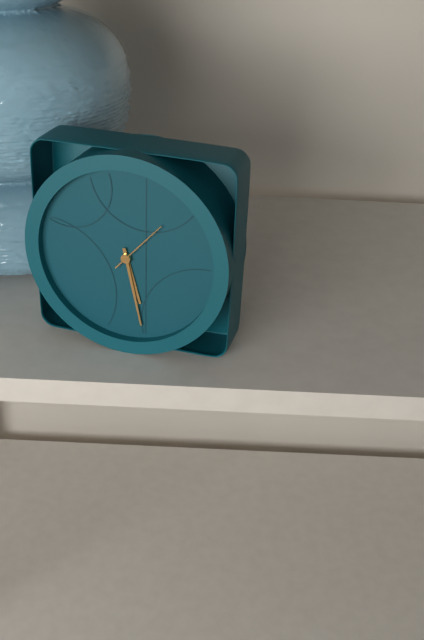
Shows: 5:28:07
